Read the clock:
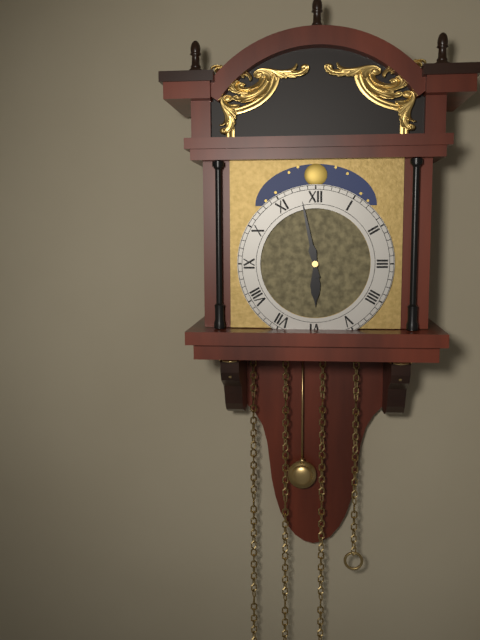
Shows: 5:58
